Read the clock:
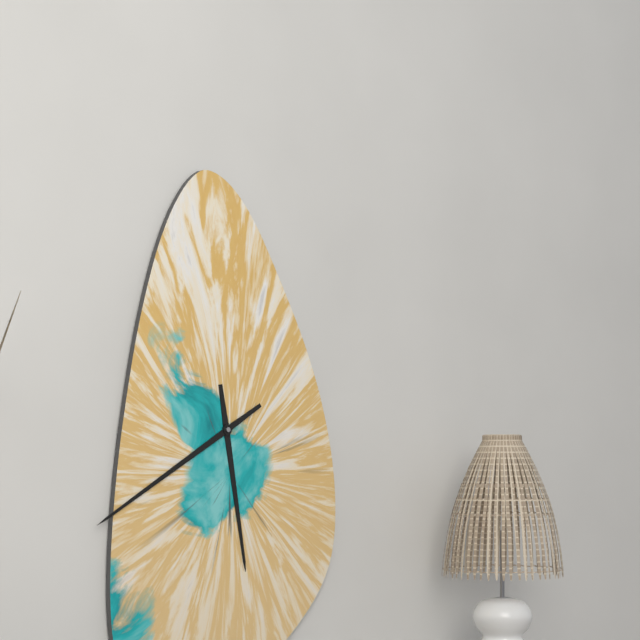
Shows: 5:40
